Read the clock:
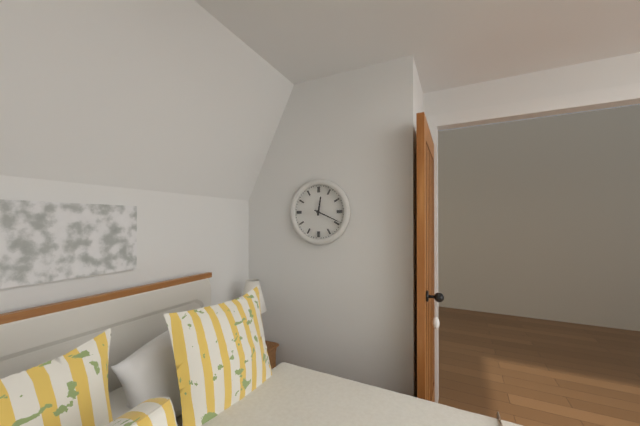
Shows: 12:19
